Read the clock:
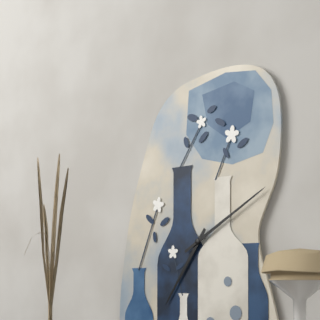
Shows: 7:10
